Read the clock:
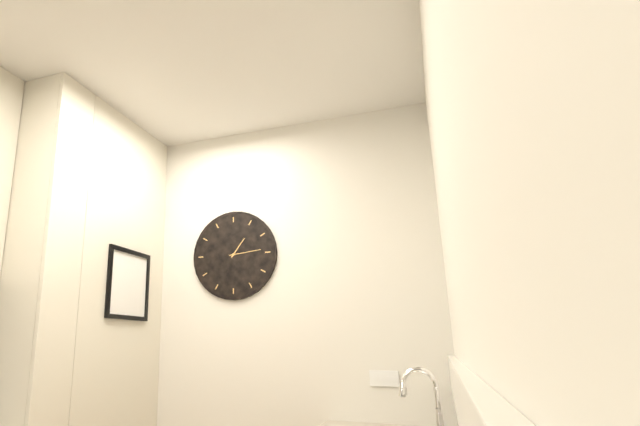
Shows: 1:14
